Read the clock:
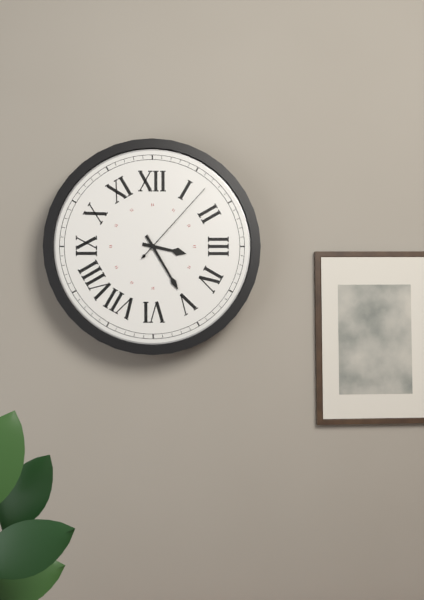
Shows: 3:25:07
